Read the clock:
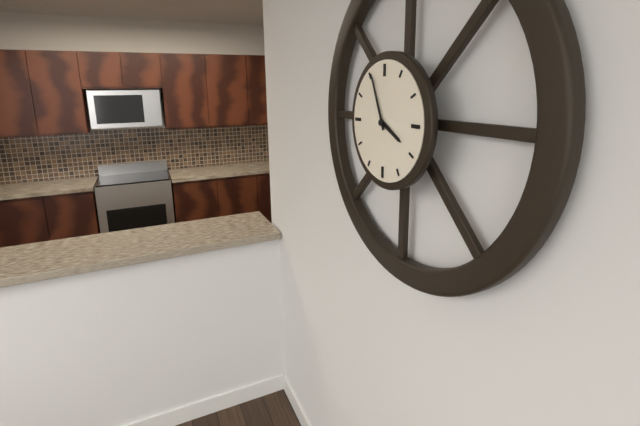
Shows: 3:56
